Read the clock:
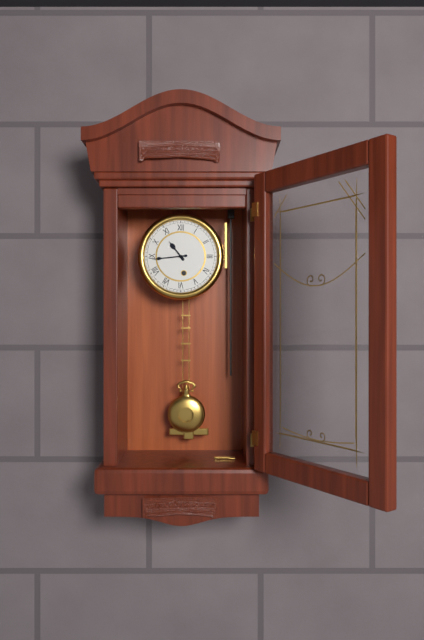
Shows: 10:44
